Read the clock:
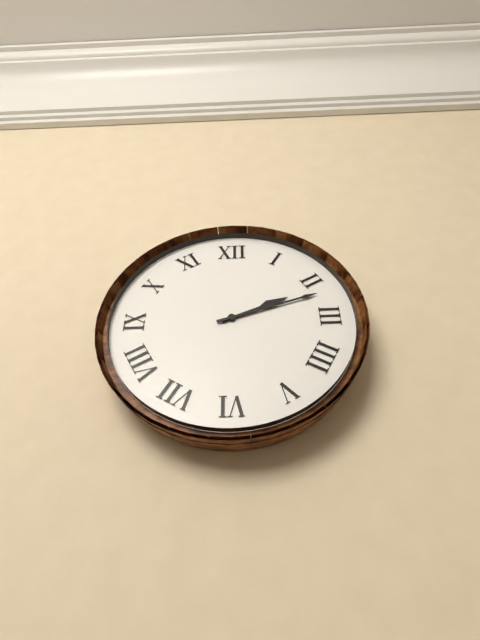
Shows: 2:12
